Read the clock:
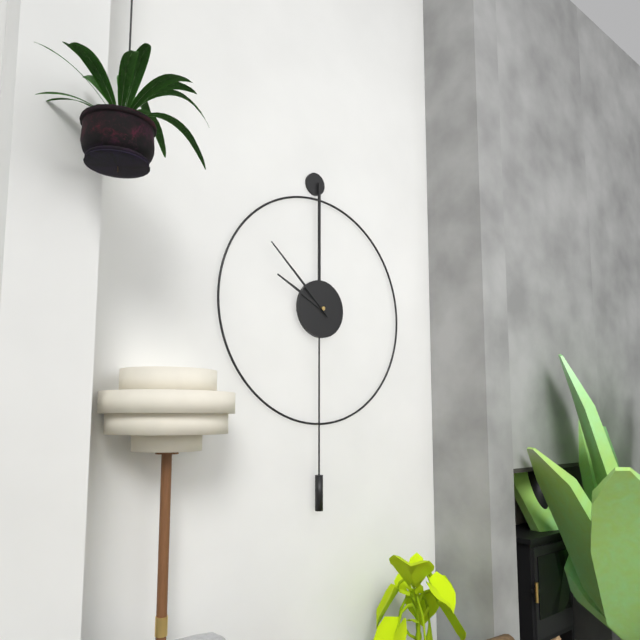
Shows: 9:52
